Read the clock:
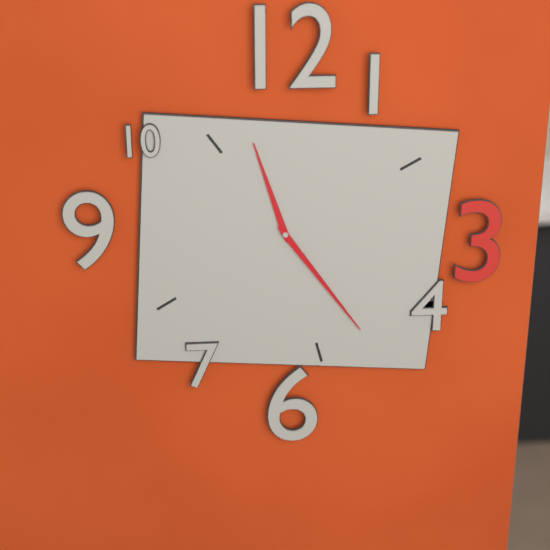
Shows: 11:24
